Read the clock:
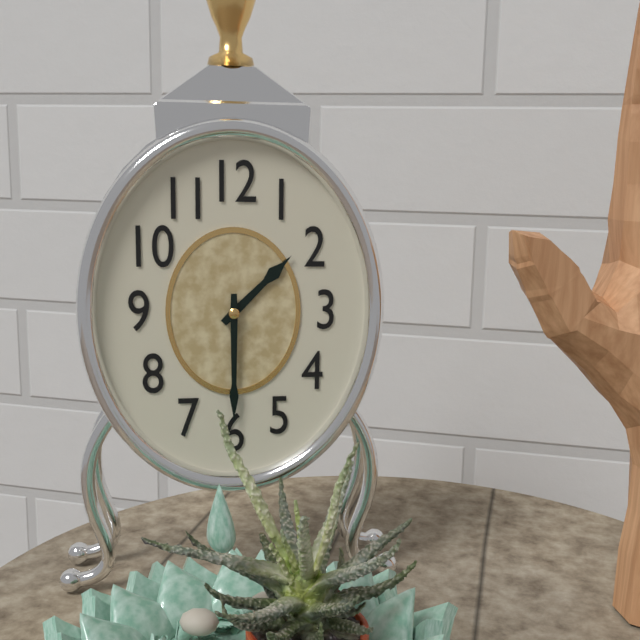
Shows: 1:30
